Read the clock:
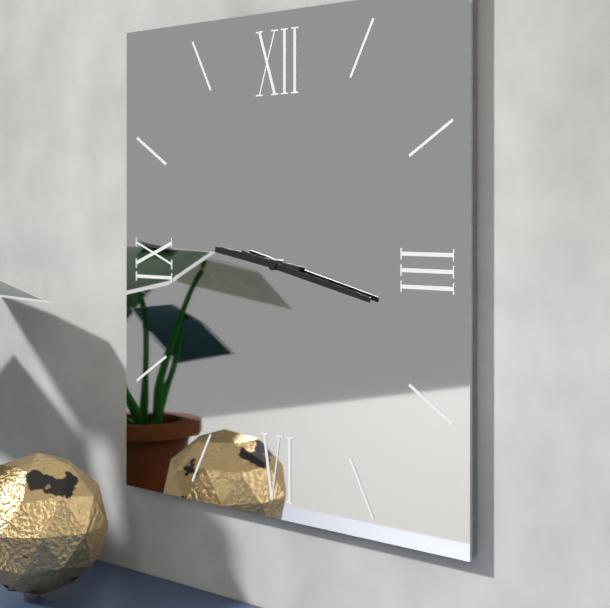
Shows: 9:17
